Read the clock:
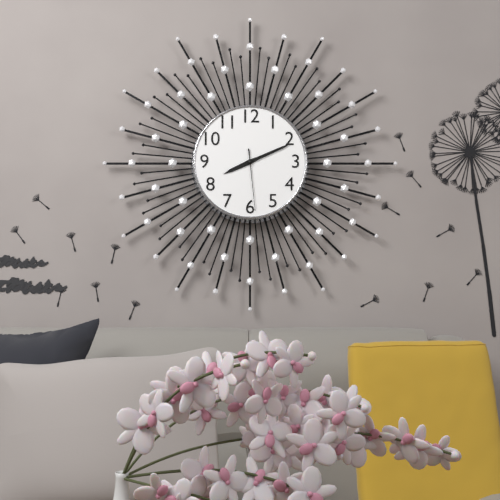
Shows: 8:11:29
